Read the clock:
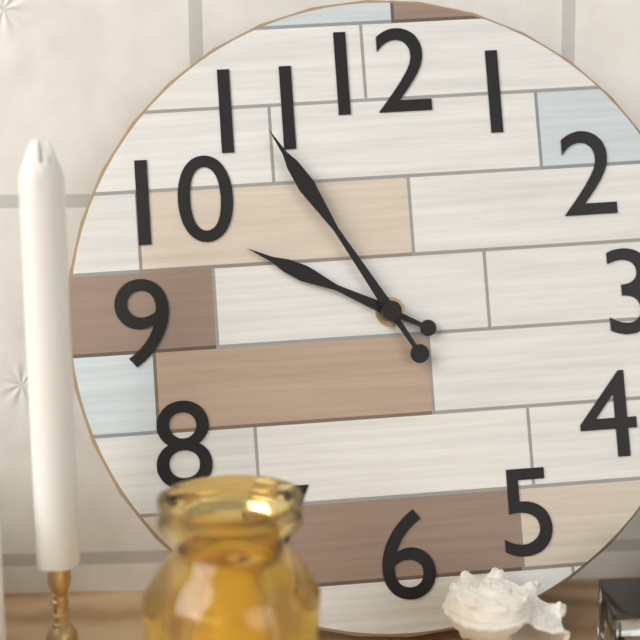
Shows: 9:55
